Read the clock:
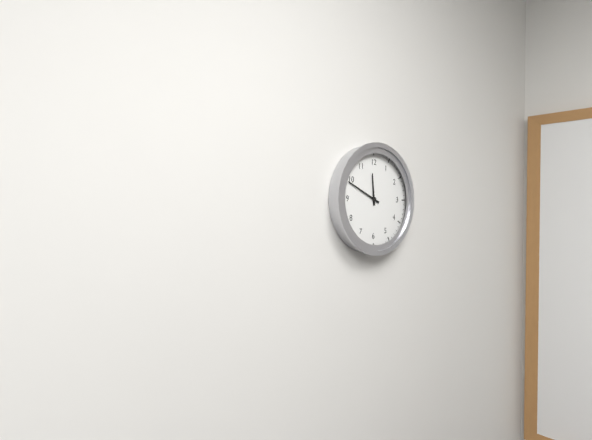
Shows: 11:49
